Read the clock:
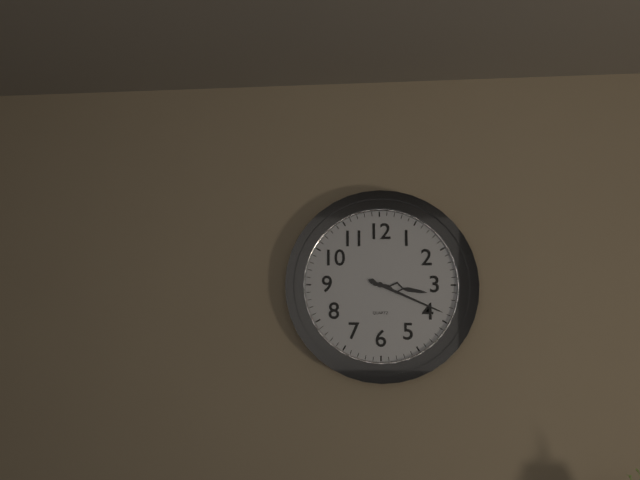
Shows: 3:19
